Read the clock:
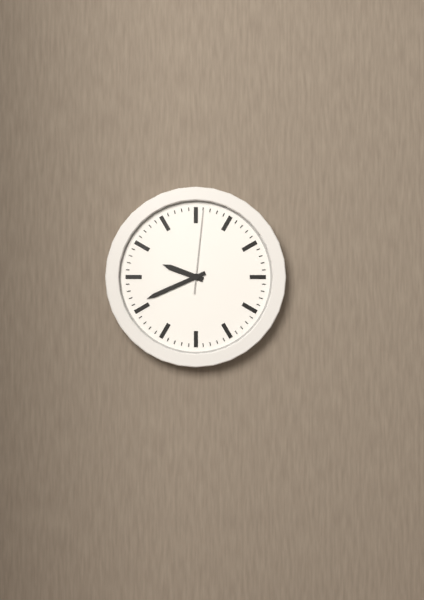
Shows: 9:41:01
